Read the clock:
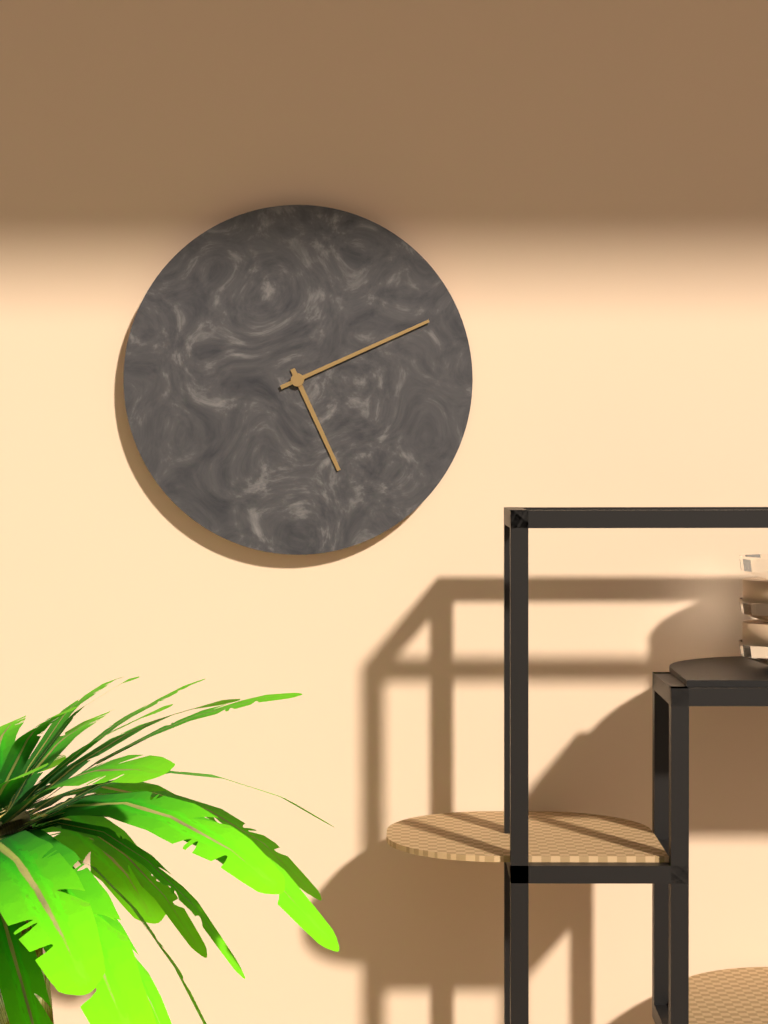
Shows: 5:11
